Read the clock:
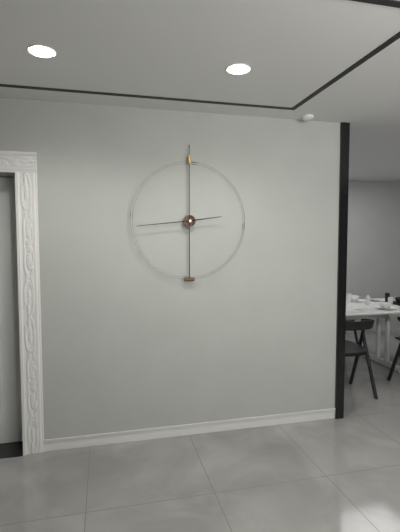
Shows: 2:44
